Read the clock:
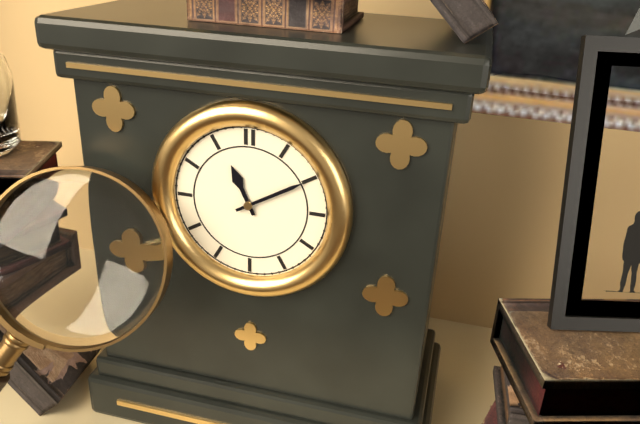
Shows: 11:10
